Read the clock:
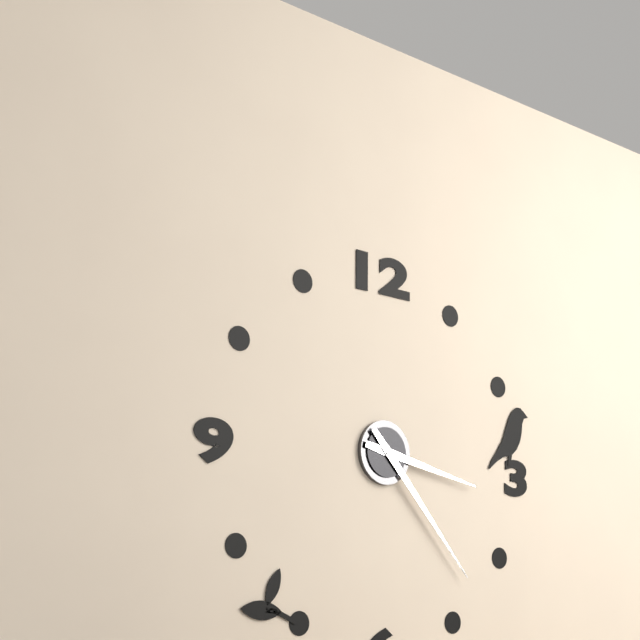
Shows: 3:23
